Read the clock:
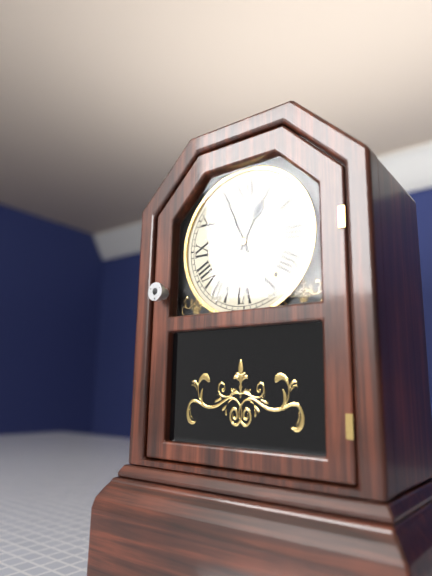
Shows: 12:56
